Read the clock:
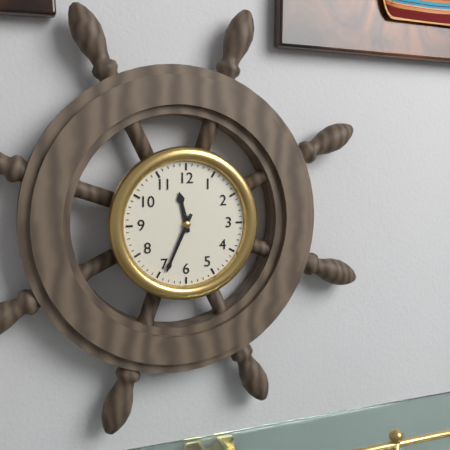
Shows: 11:34
